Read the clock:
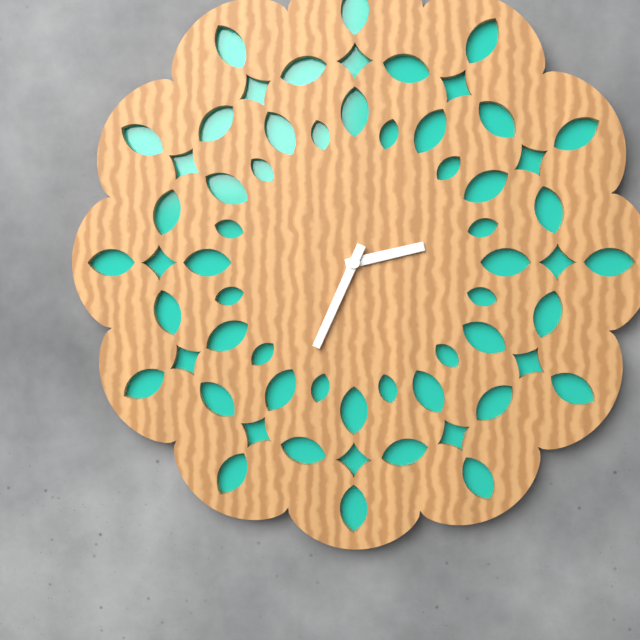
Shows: 2:34
